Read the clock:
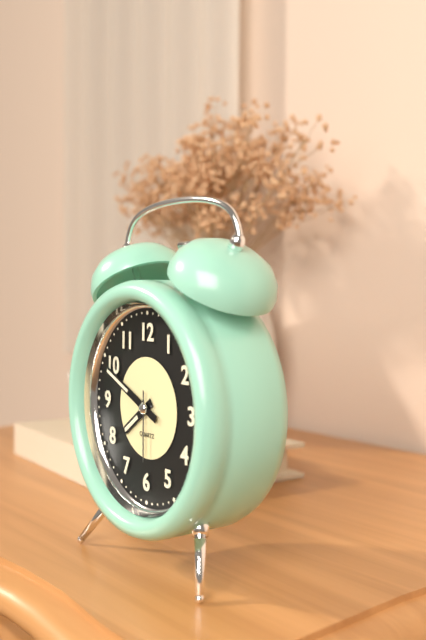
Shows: 7:49:30
